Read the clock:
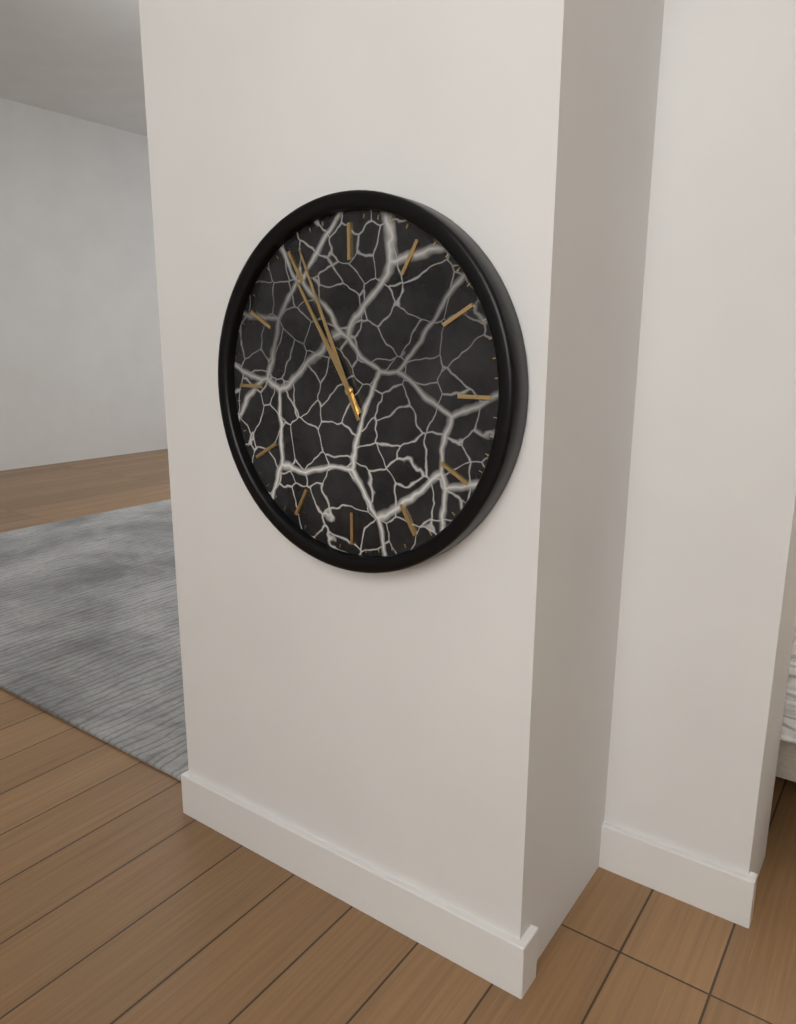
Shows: 10:56
